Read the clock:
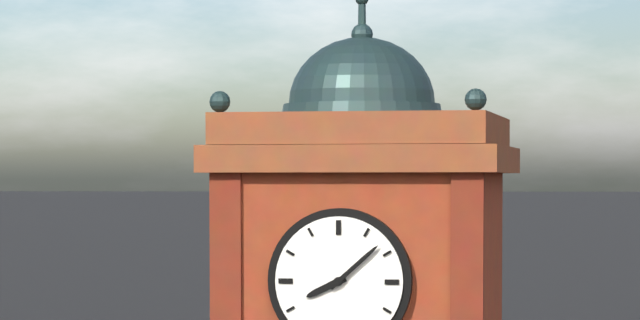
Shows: 8:08
